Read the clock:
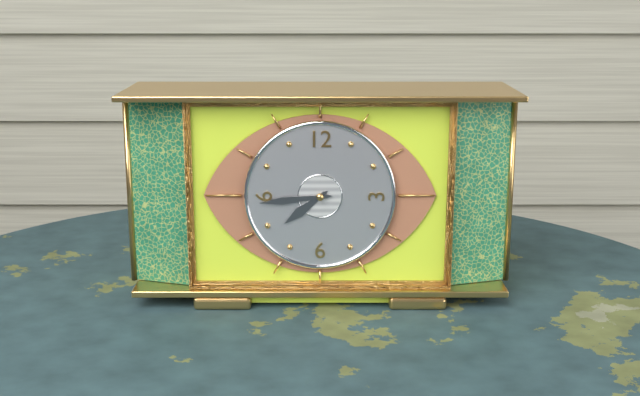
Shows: 7:44
